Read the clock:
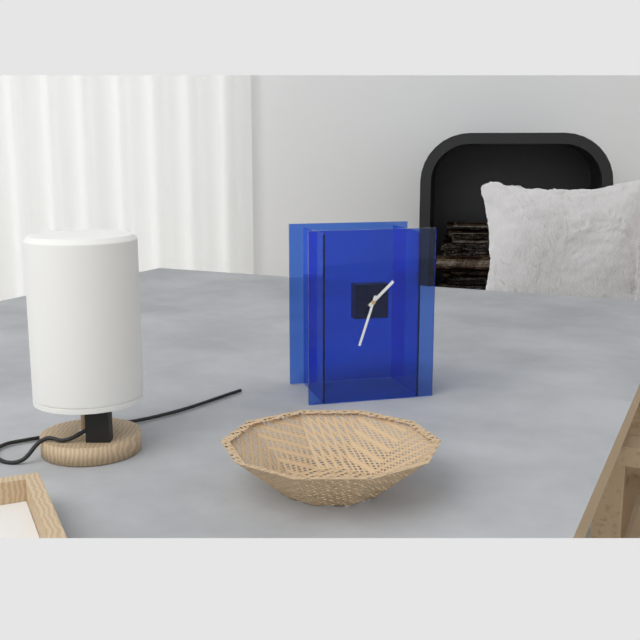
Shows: 1:33
